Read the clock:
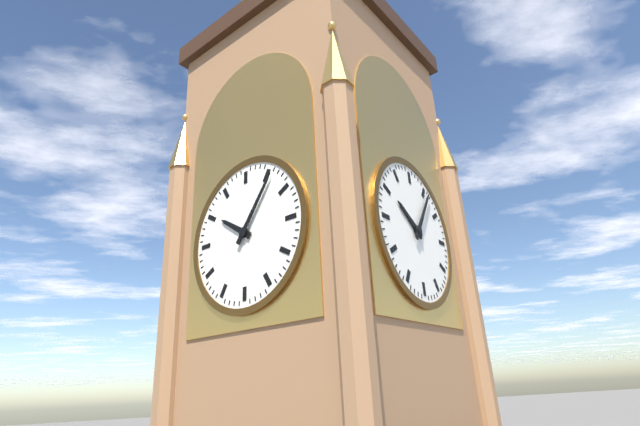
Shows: 10:06
